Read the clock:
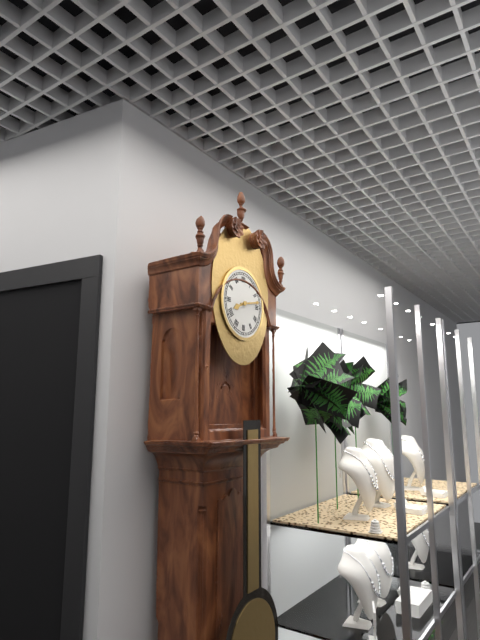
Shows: 8:13
